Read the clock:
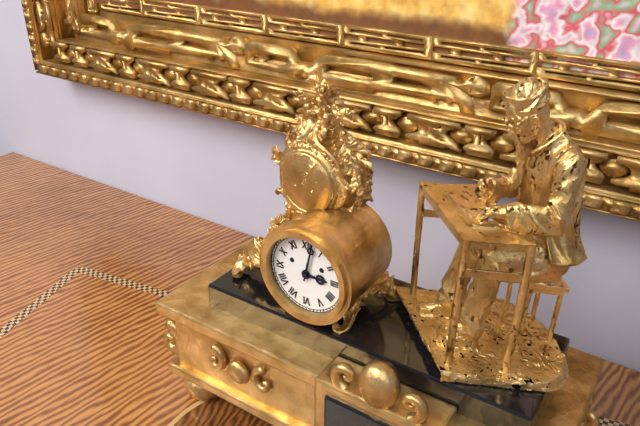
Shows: 3:02
